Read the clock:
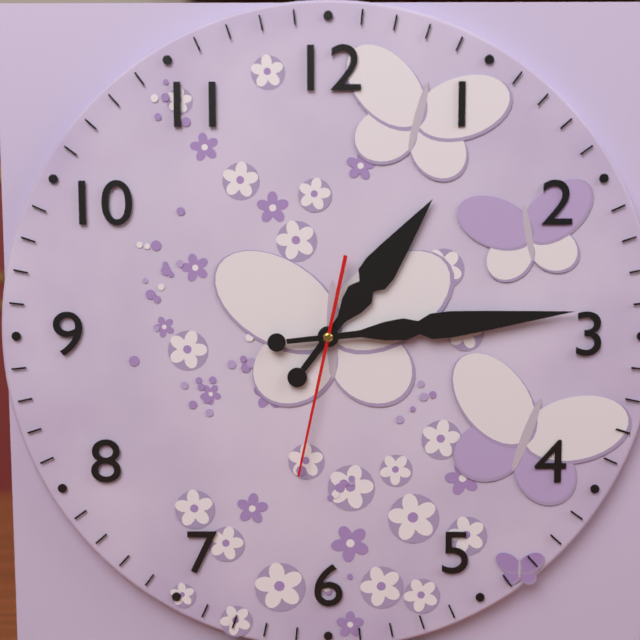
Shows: 1:14:32
